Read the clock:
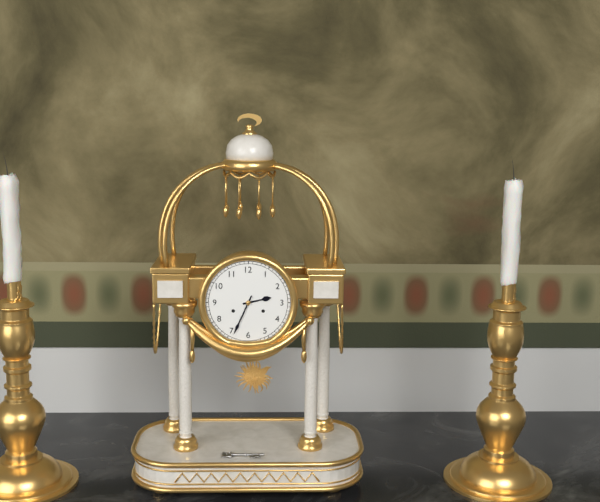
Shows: 2:34
